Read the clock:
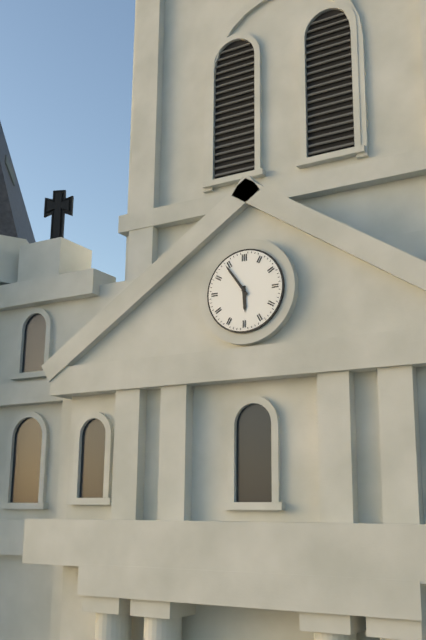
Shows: 5:54
